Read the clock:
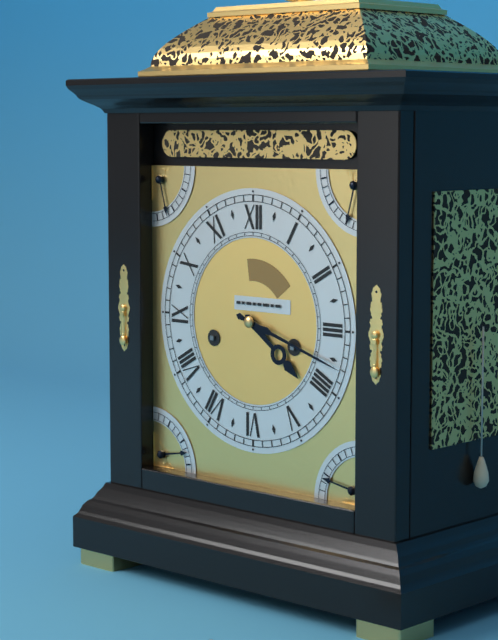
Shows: 4:18
